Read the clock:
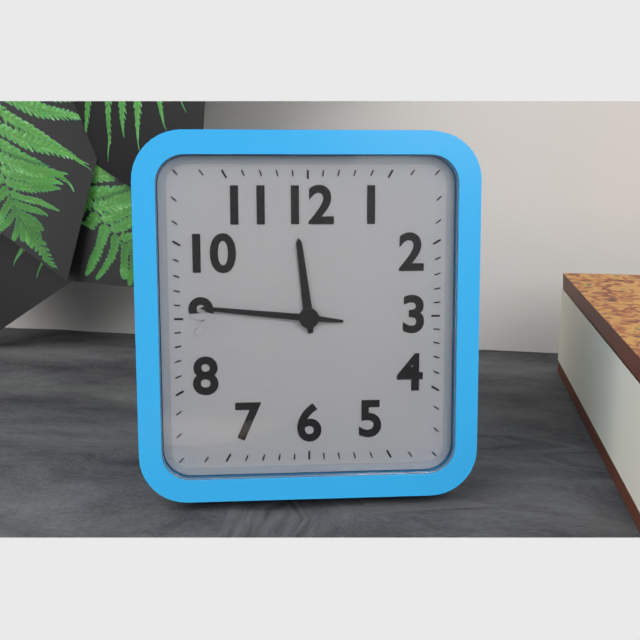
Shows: 11:46
